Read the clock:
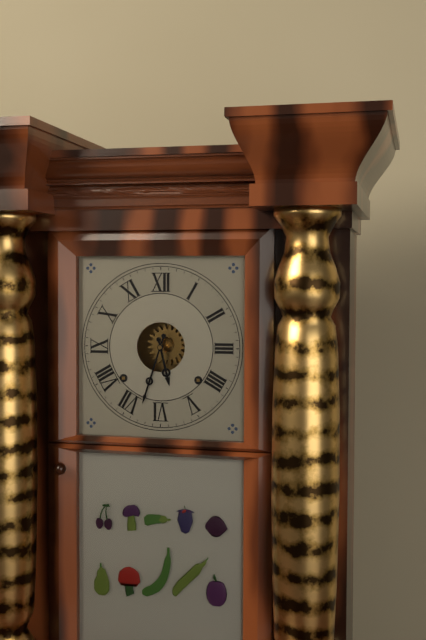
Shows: 5:33
